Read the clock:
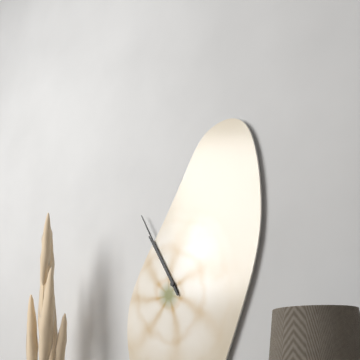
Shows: 10:55
